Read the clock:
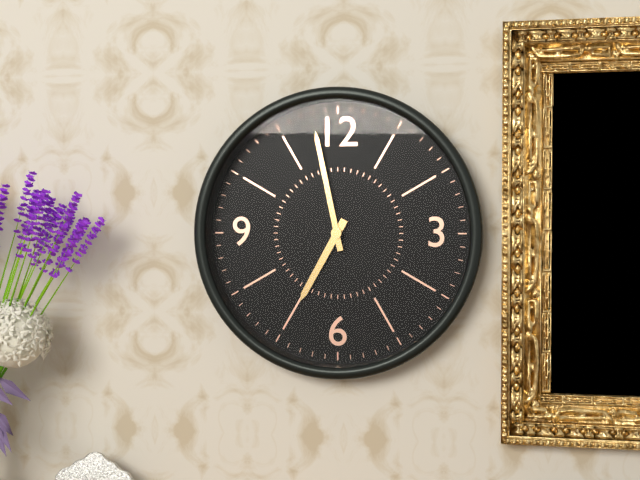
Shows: 6:58
